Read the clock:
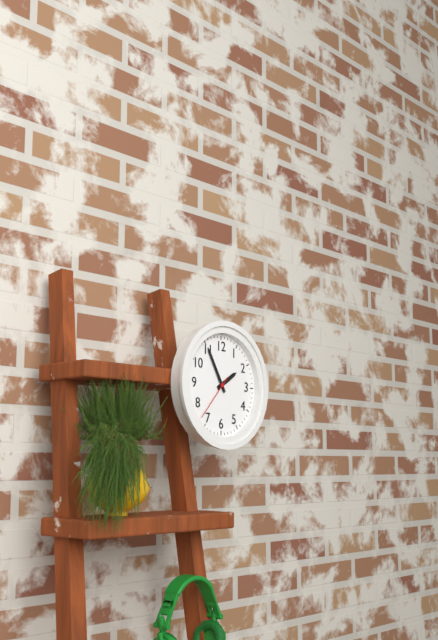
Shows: 1:55
